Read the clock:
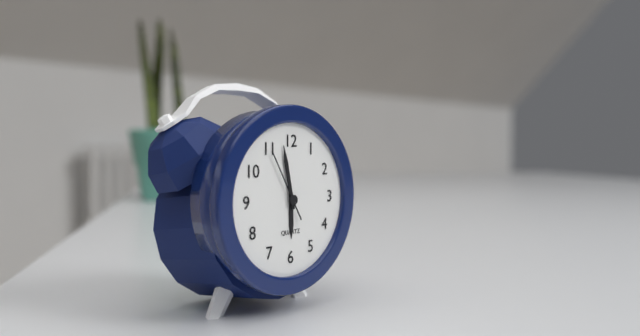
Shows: 5:58:55
